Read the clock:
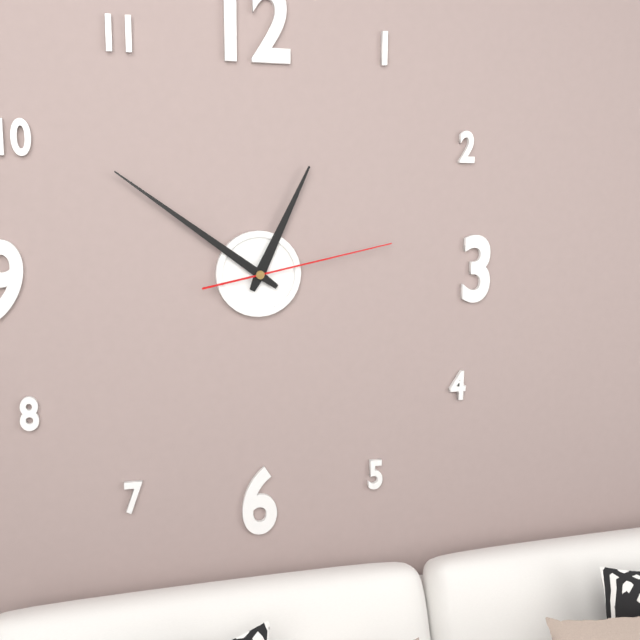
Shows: 12:51:13
